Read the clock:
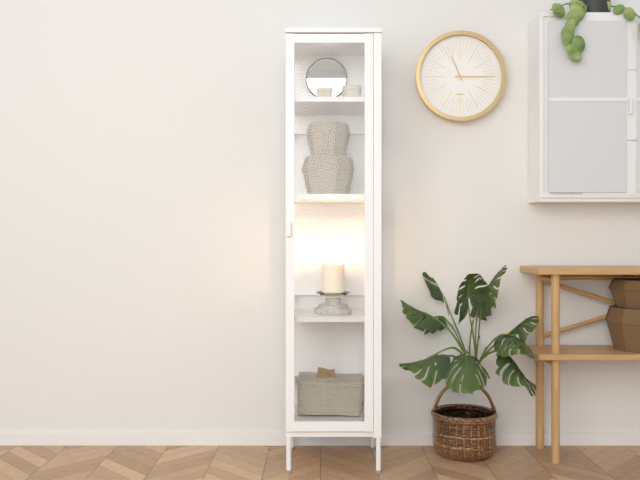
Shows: 11:15
